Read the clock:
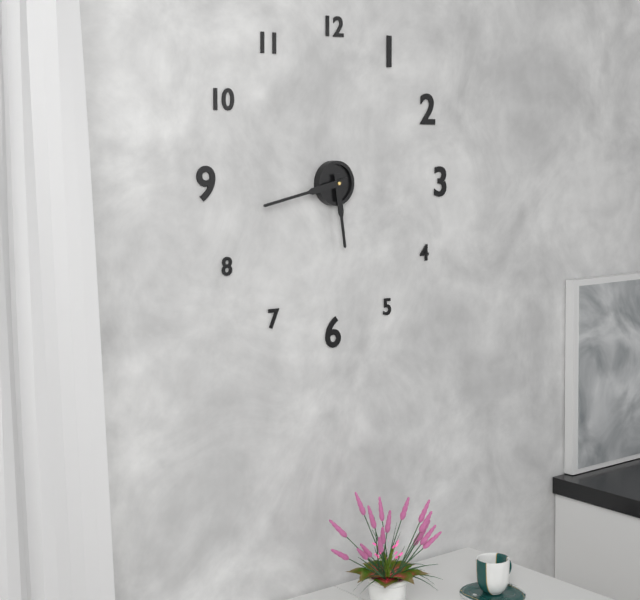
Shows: 5:43
